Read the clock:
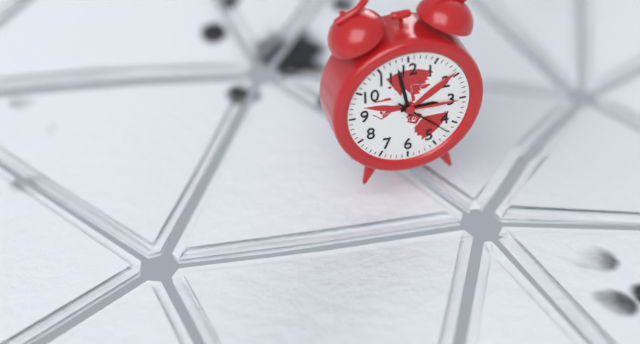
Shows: 2:58:22
